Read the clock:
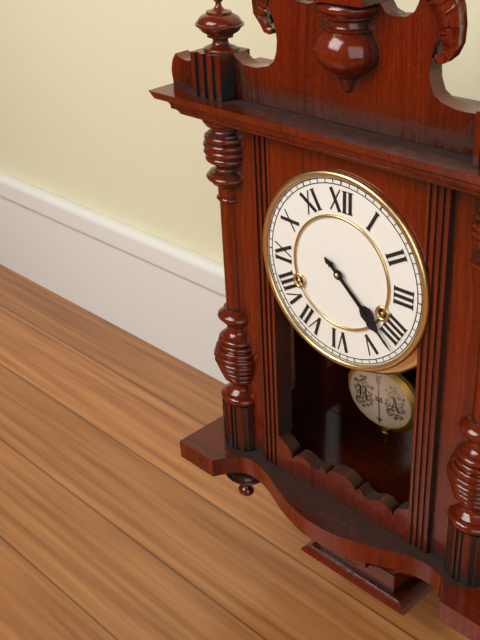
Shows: 4:22
